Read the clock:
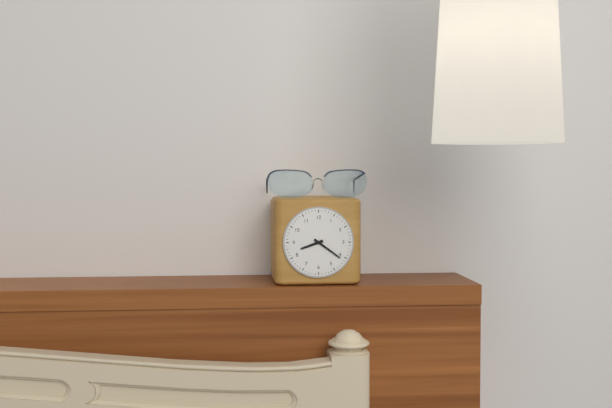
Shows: 8:21
